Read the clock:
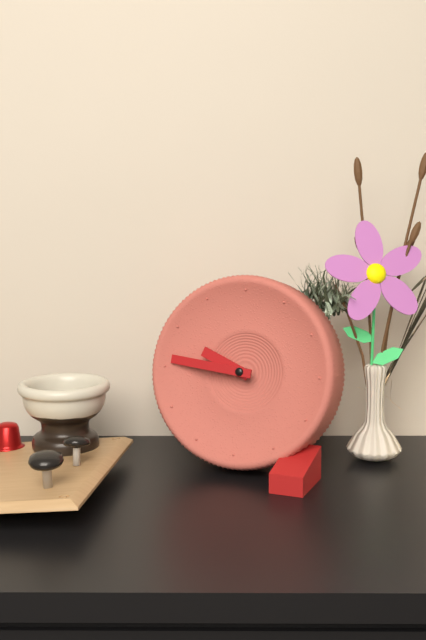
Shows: 9:46
